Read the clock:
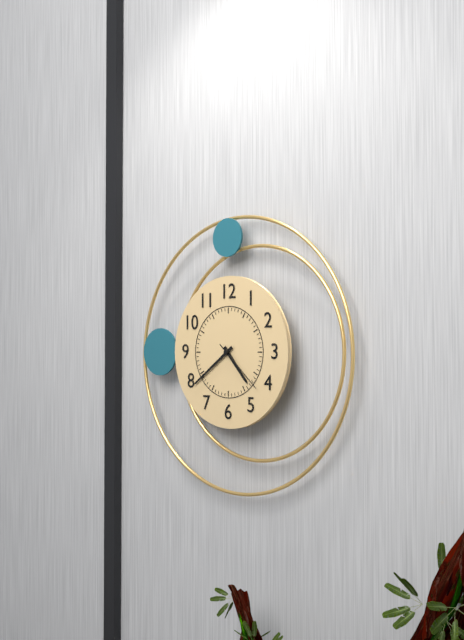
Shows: 4:39:22
